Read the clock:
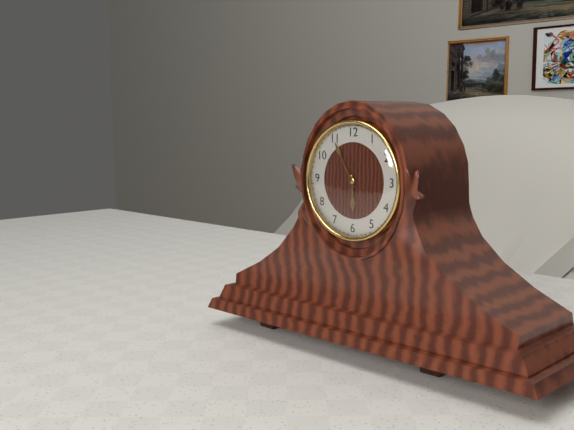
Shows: 5:55
